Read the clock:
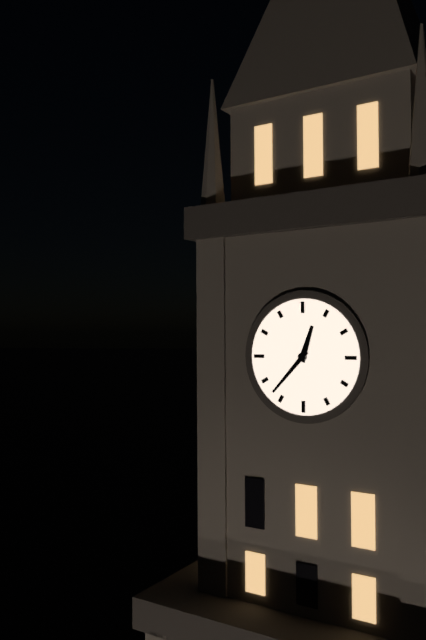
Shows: 12:37
